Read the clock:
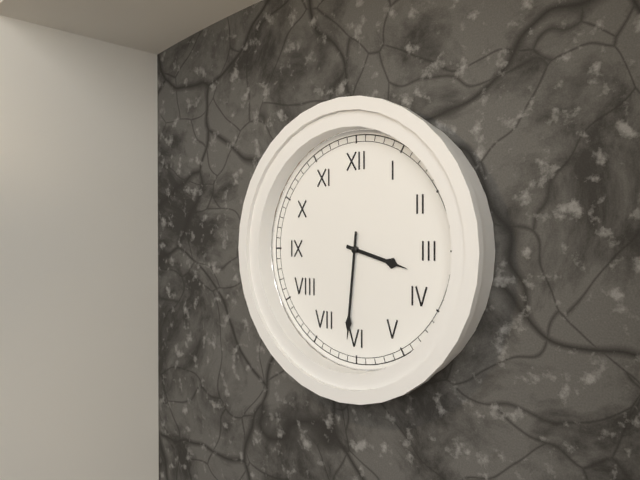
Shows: 3:31
